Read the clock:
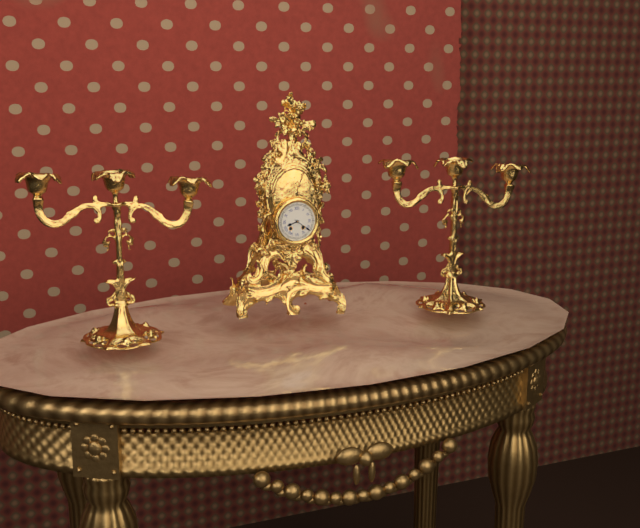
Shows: 8:21
